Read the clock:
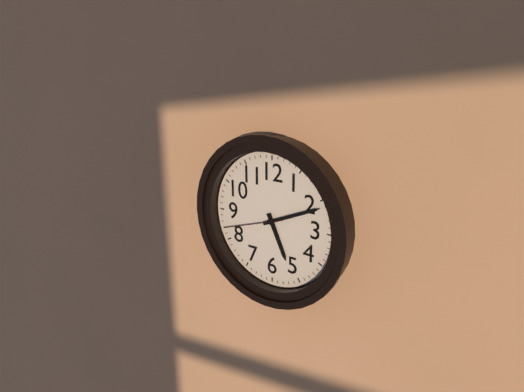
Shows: 5:11:42
